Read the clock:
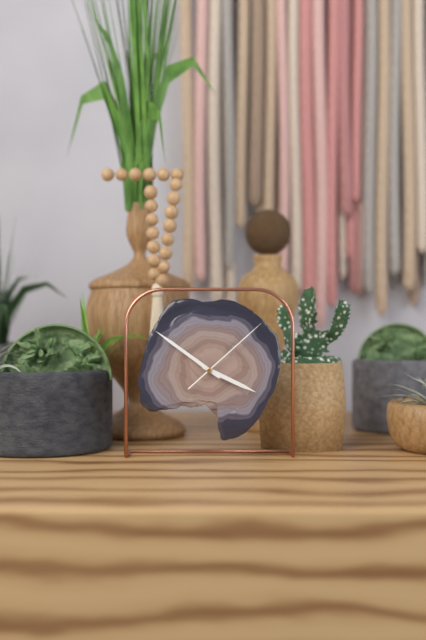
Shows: 3:51:08
